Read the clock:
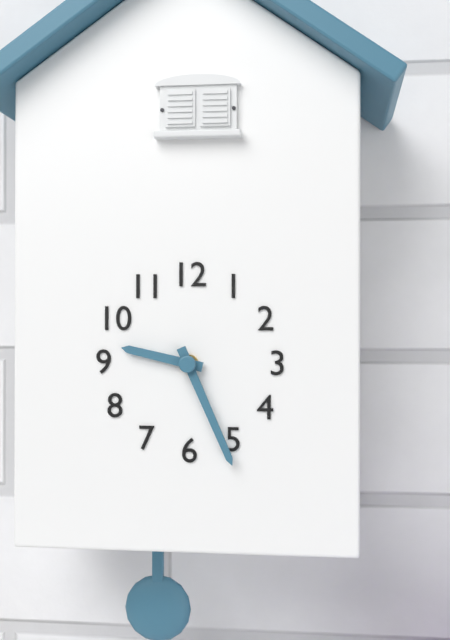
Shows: 9:26
